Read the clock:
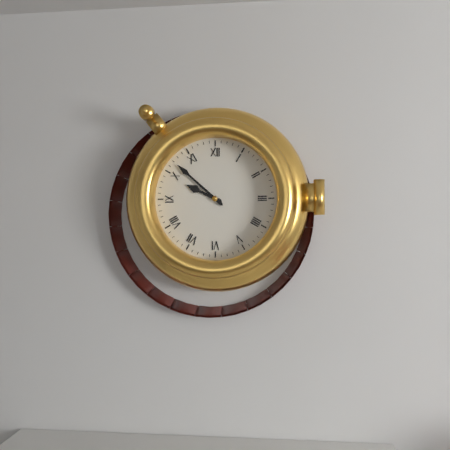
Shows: 9:52
